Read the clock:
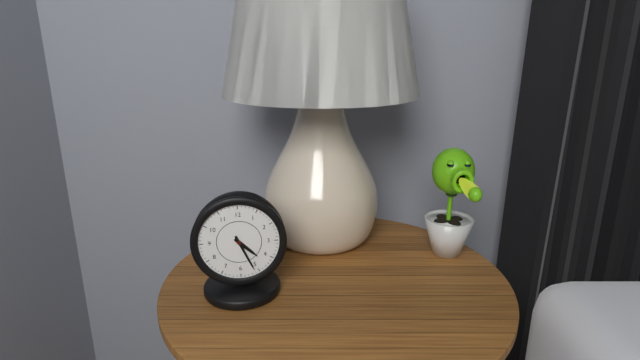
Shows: 4:26
